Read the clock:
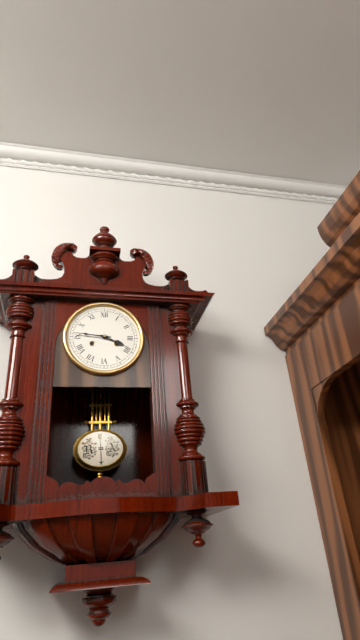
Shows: 3:46
